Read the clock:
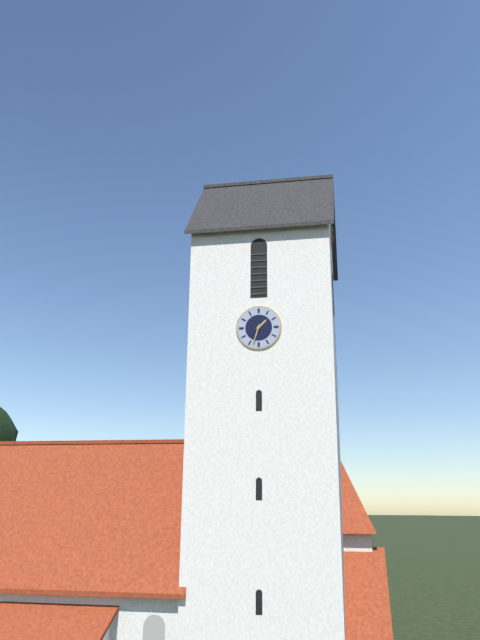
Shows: 1:33
